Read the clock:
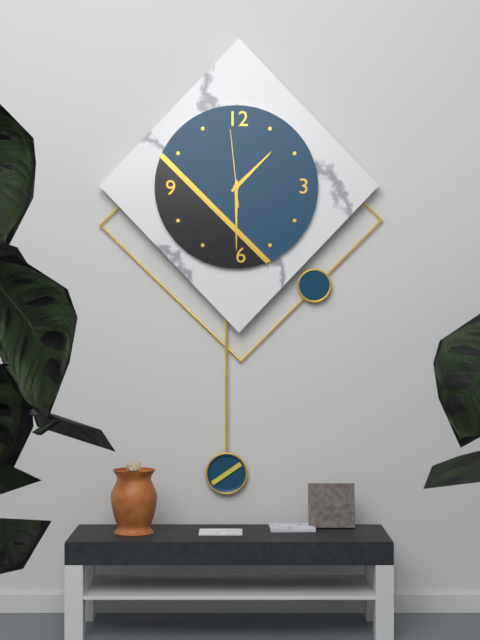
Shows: 1:30:59
